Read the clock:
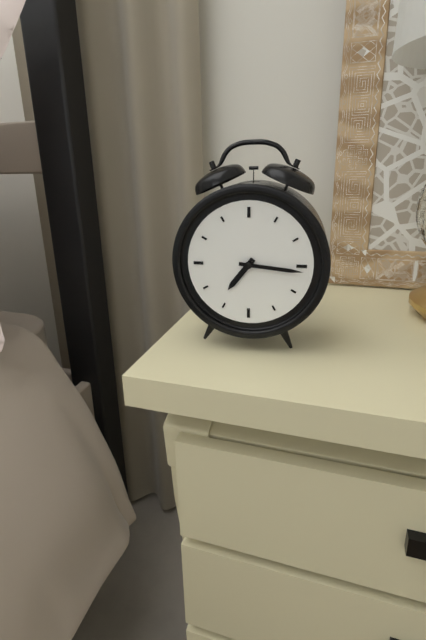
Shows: 7:16
